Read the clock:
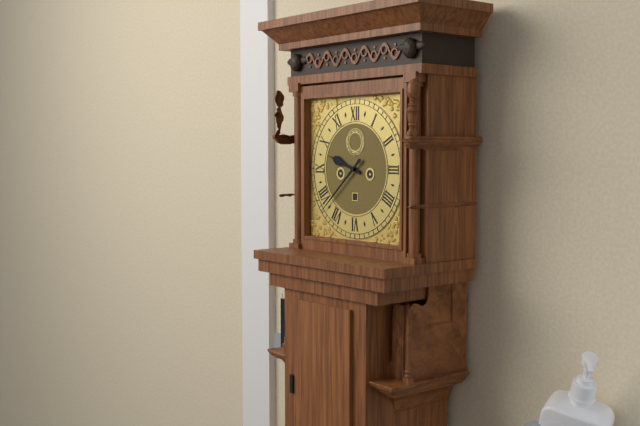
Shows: 9:38
